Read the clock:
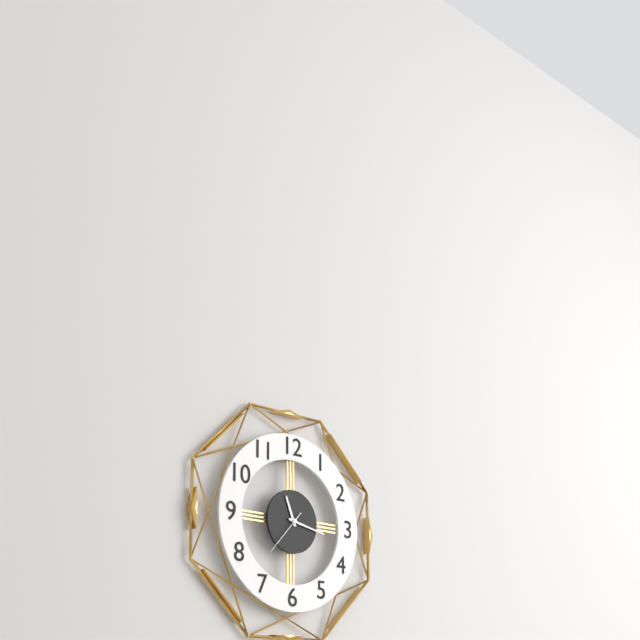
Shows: 11:17
